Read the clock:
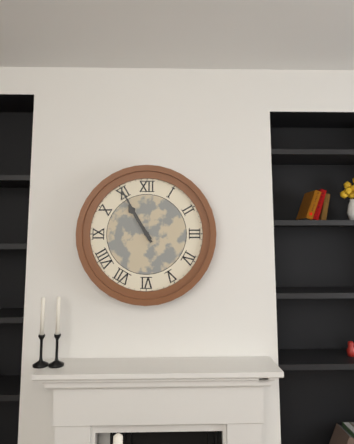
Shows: 10:55
